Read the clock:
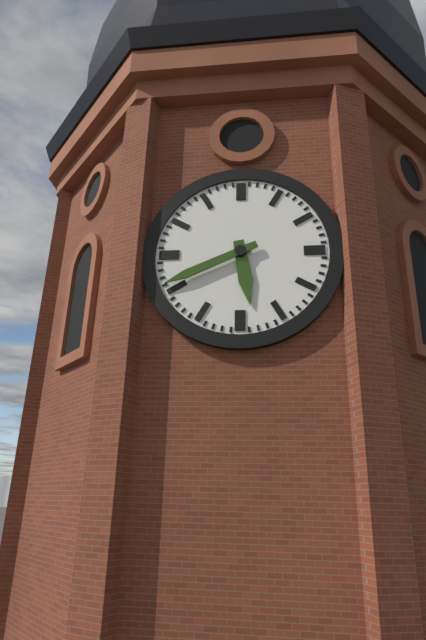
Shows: 5:41
